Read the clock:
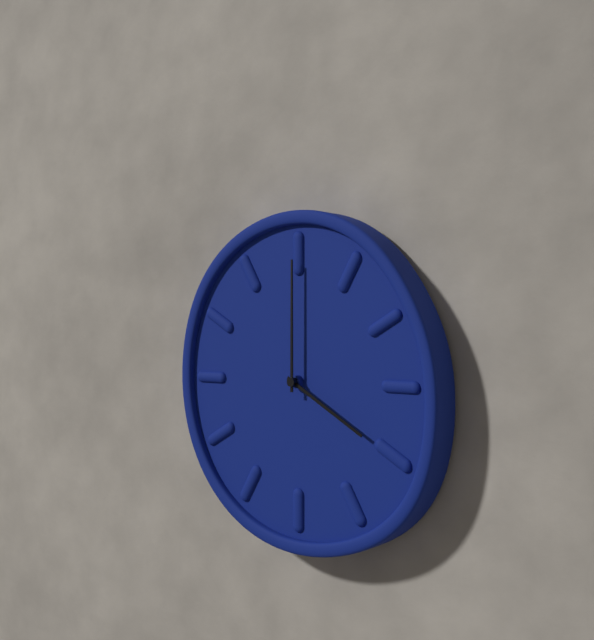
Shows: 4:00
